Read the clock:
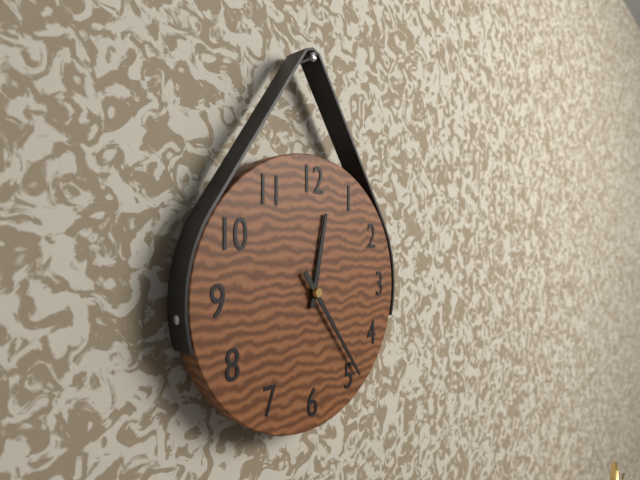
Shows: 12:24
